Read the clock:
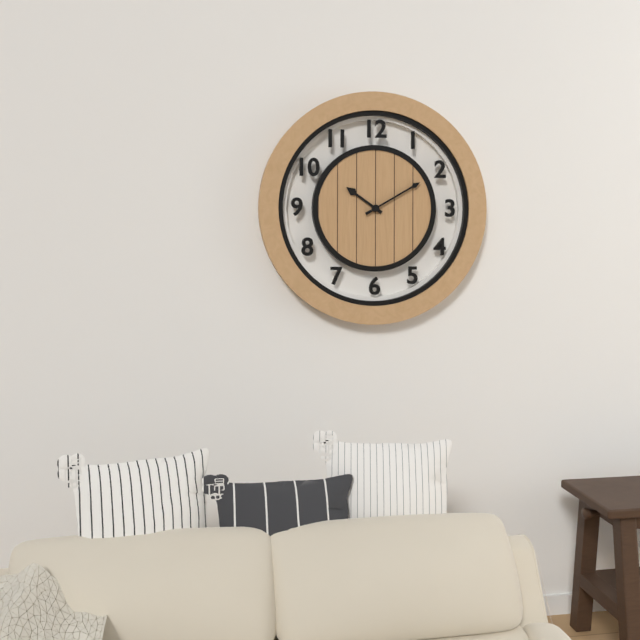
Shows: 10:10
